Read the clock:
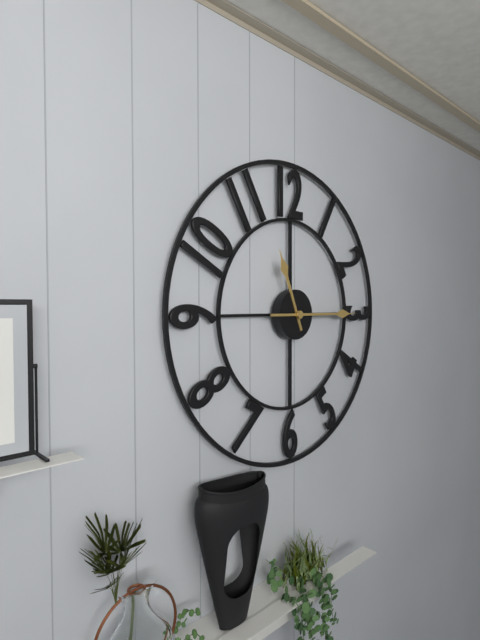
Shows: 11:15
